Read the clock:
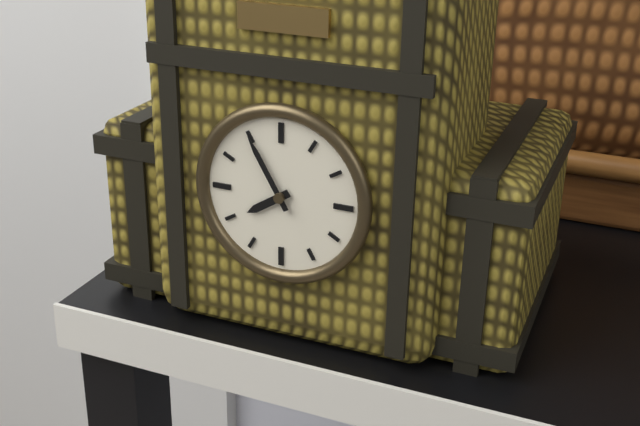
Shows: 7:55
